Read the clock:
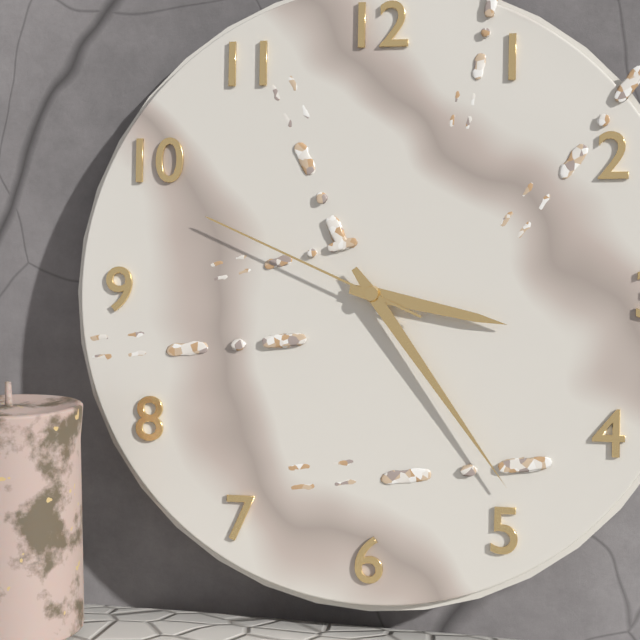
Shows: 3:24:49
